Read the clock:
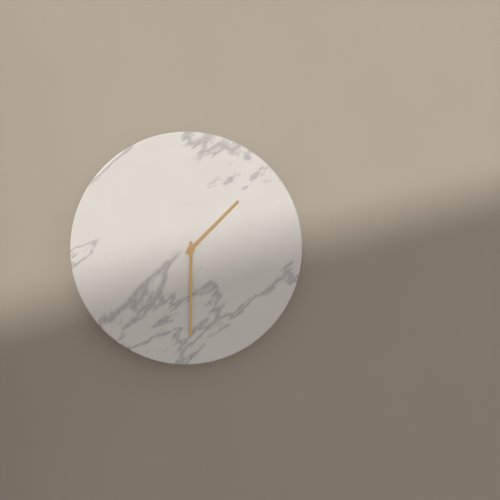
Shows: 1:30
